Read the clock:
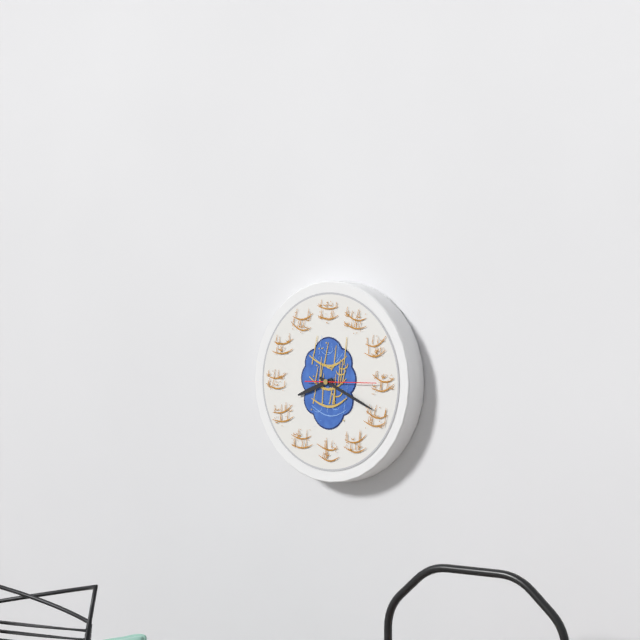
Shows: 8:19:15
